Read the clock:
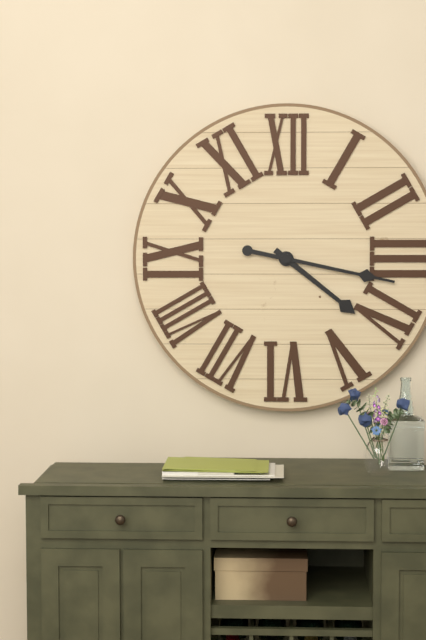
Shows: 4:17
